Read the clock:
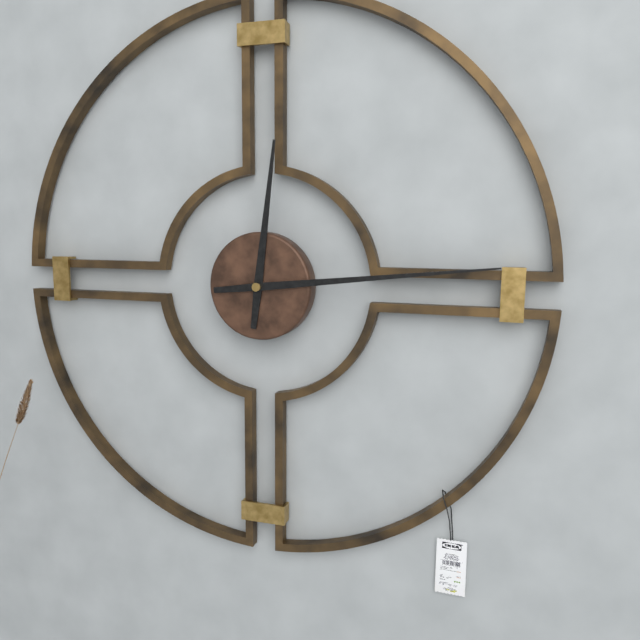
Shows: 12:14
